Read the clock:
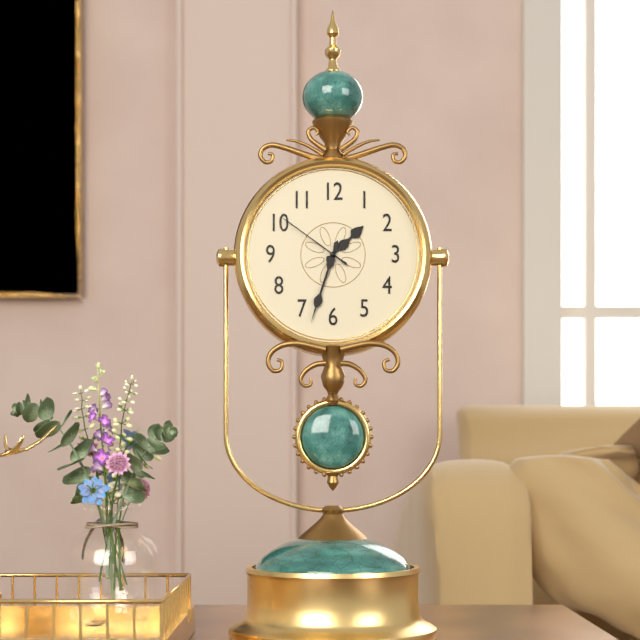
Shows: 1:33:51
